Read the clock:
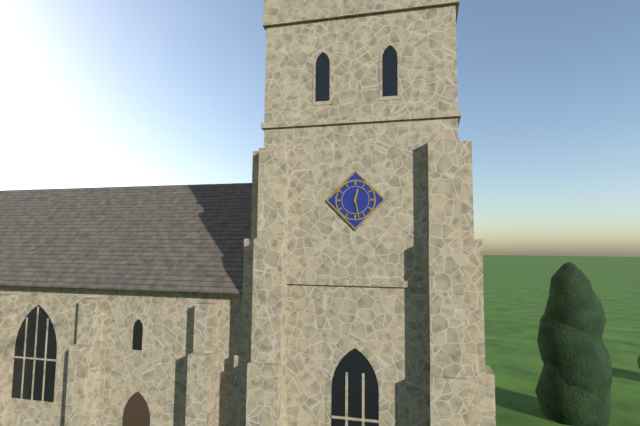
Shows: 12:28
